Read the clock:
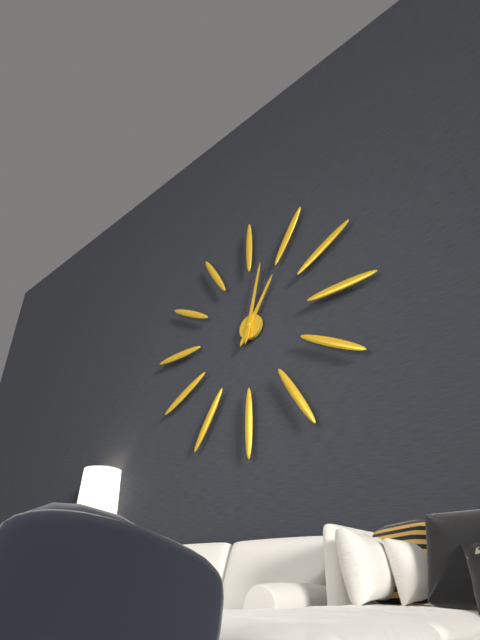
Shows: 1:02
